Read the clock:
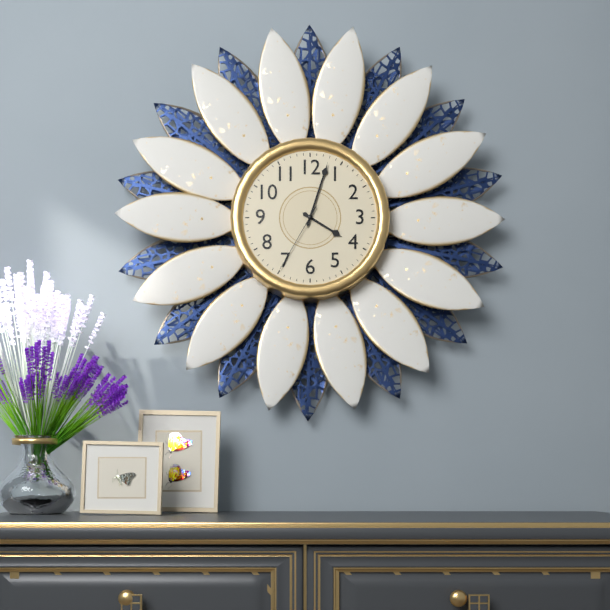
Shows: 4:03:35
